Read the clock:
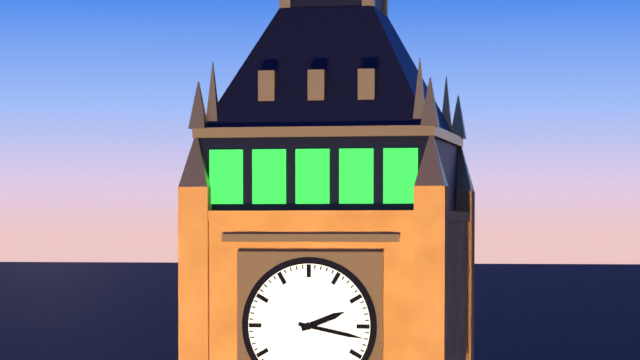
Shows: 2:17
